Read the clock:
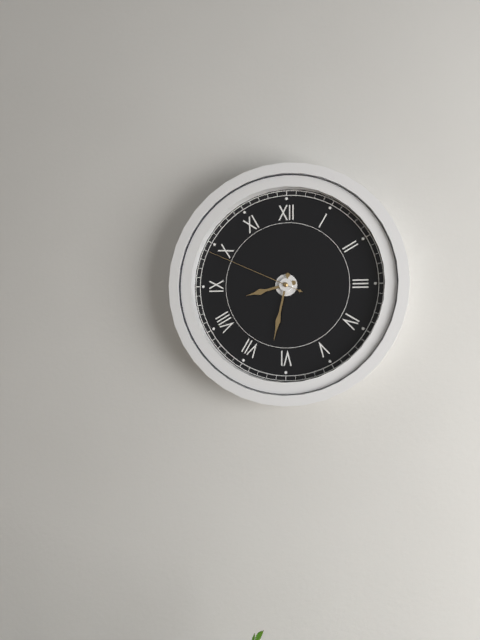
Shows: 8:32:49
